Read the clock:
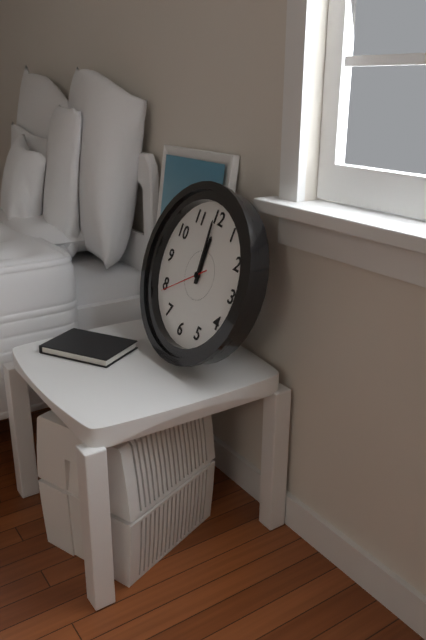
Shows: 11:59:39
